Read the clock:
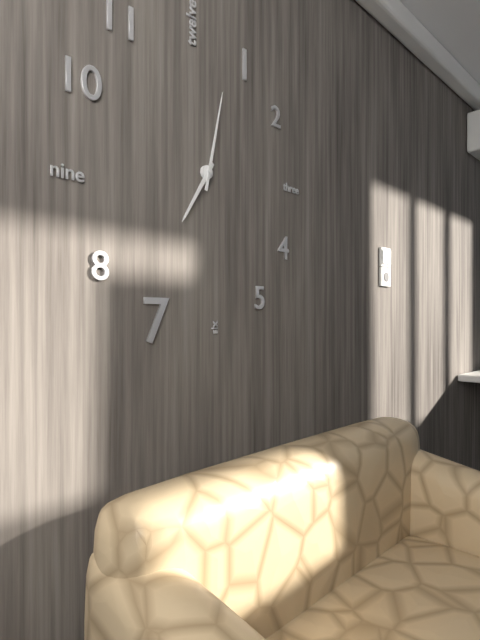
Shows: 7:02
